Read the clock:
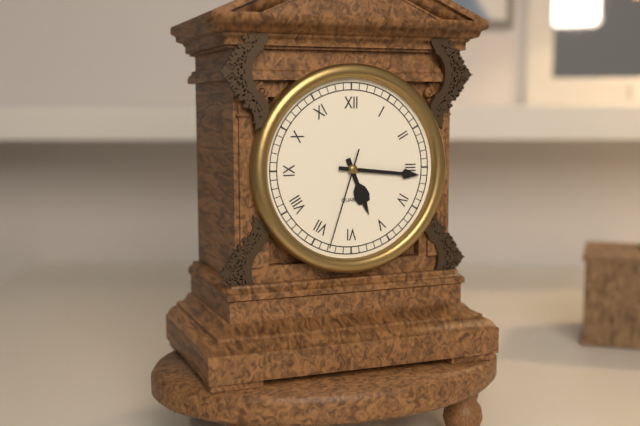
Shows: 5:16:33
